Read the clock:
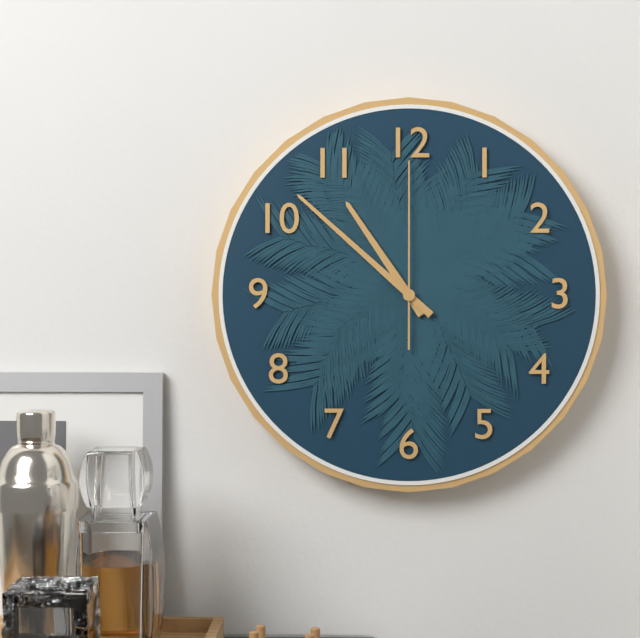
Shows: 10:52:00
